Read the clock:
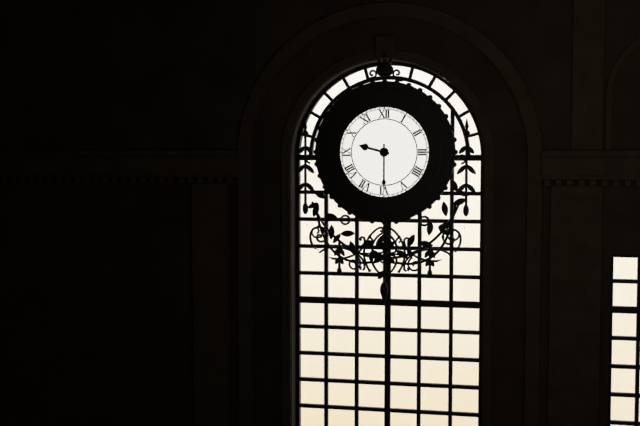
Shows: 9:30
